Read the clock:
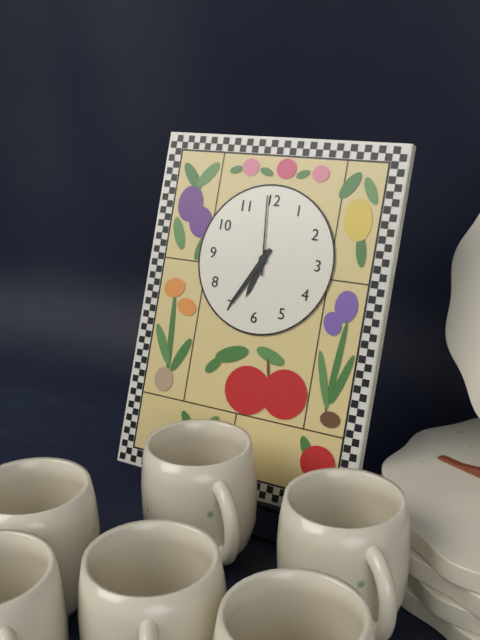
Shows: 6:35:59
